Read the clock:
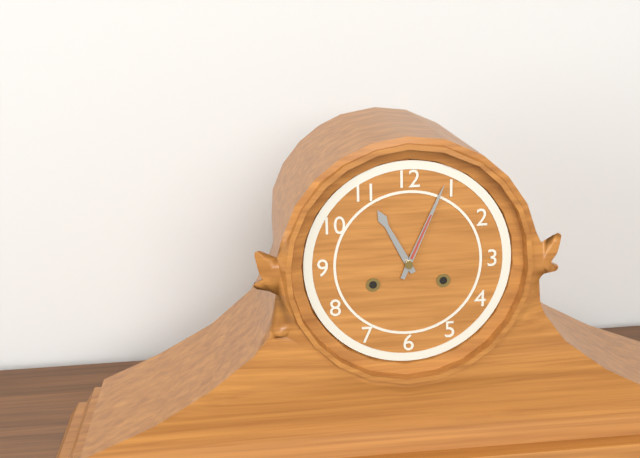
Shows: 11:04
